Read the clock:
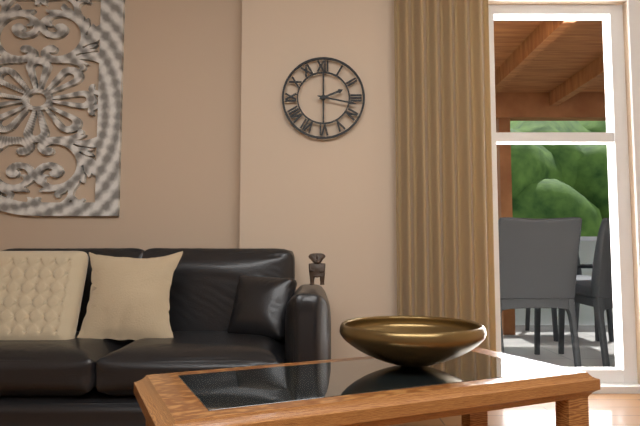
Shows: 2:17
